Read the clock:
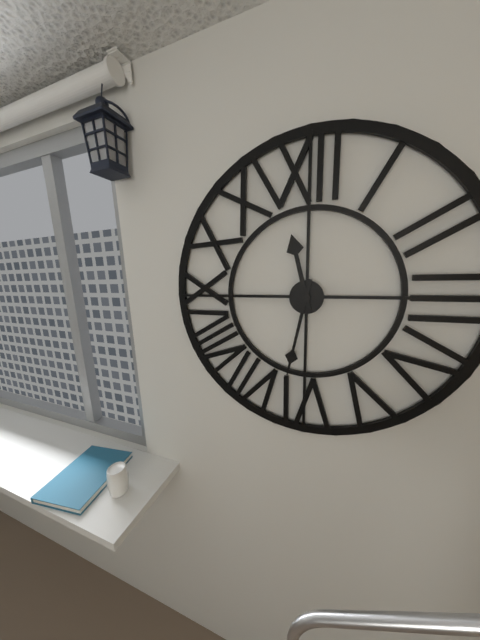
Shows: 11:32
